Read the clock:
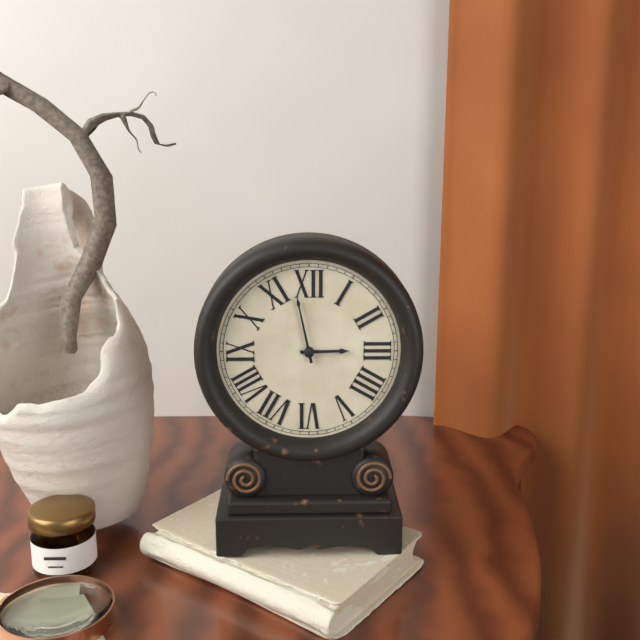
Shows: 2:58
